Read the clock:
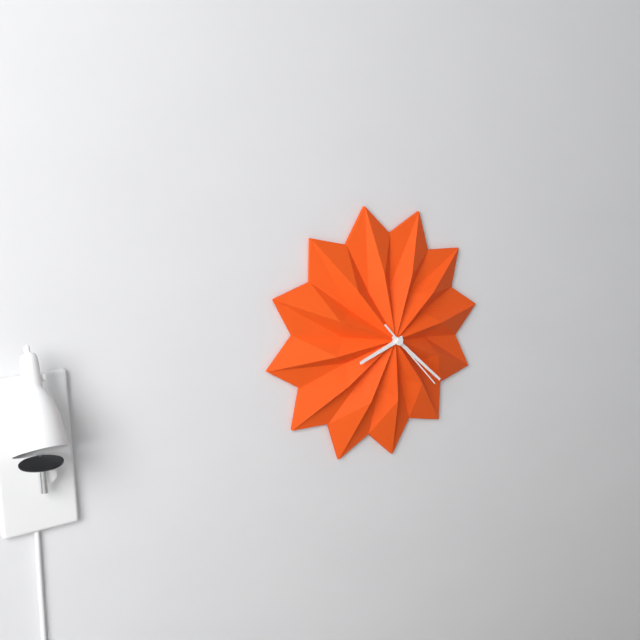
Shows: 8:22:23
